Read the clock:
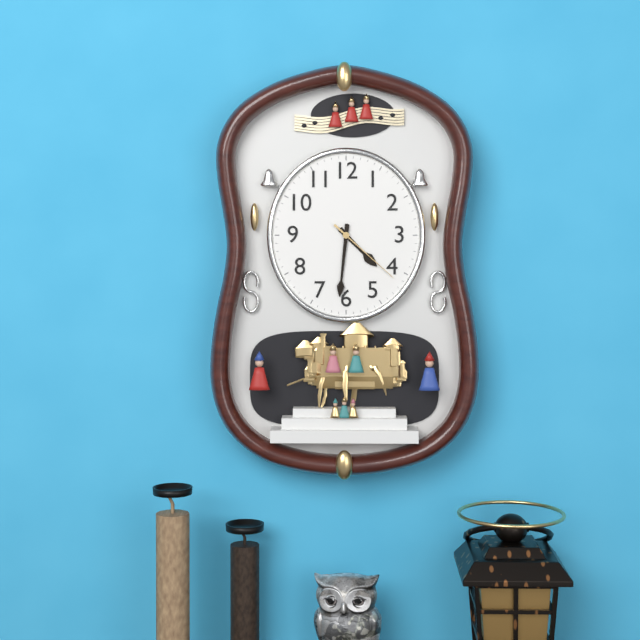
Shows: 4:31:22
